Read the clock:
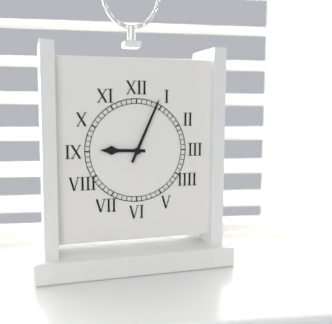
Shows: 9:04
